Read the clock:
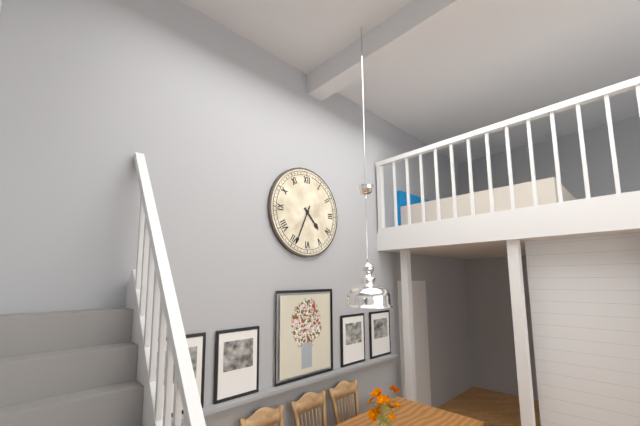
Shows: 4:34
